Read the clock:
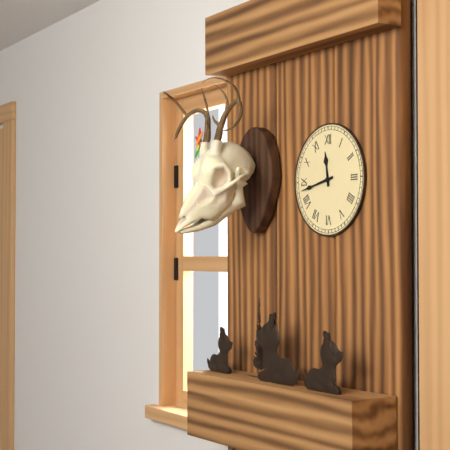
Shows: 11:43
